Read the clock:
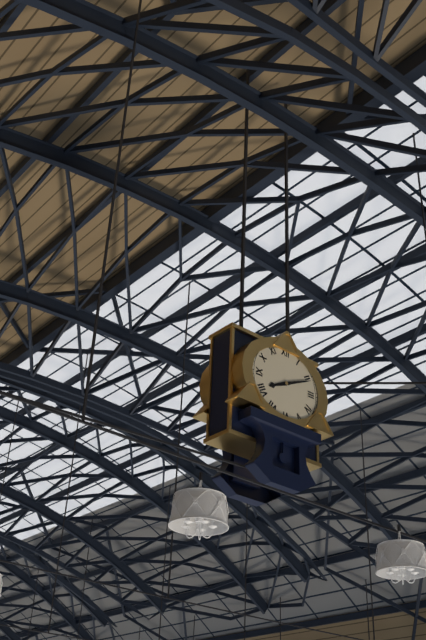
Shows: 8:11
